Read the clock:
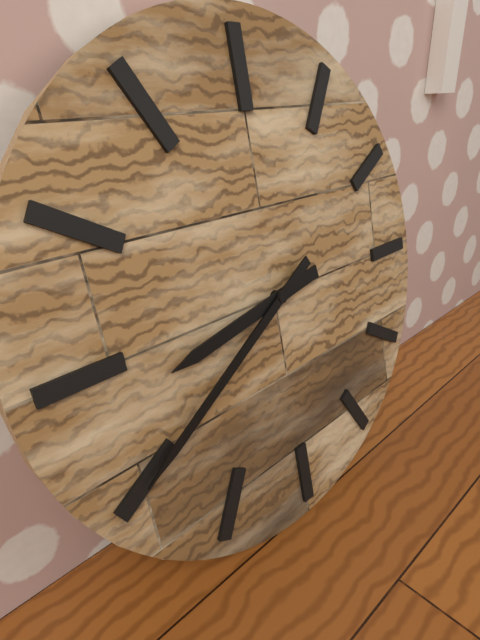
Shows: 8:40
